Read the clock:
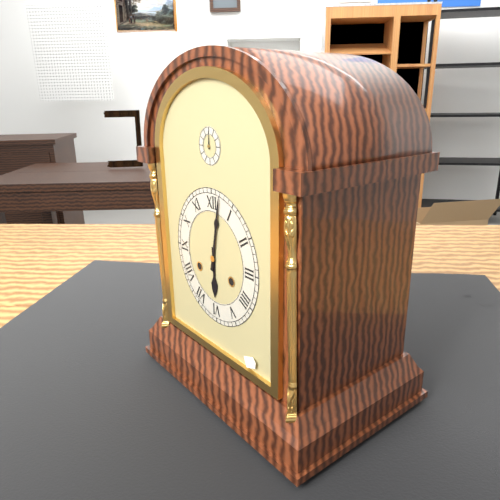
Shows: 6:02
